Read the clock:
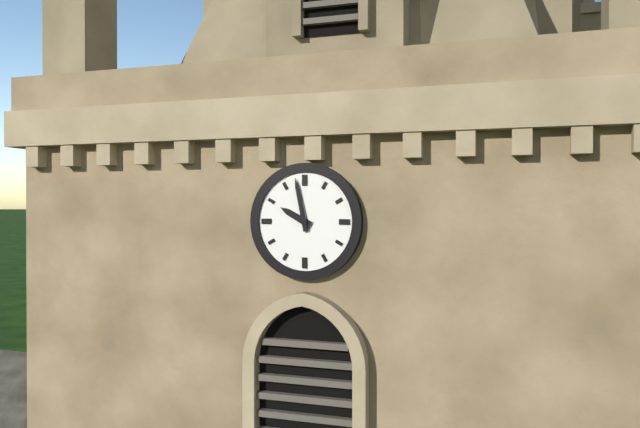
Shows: 9:58
